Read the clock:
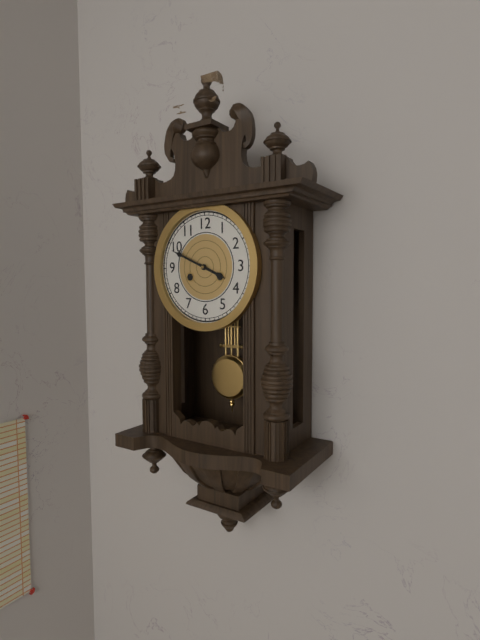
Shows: 3:49
